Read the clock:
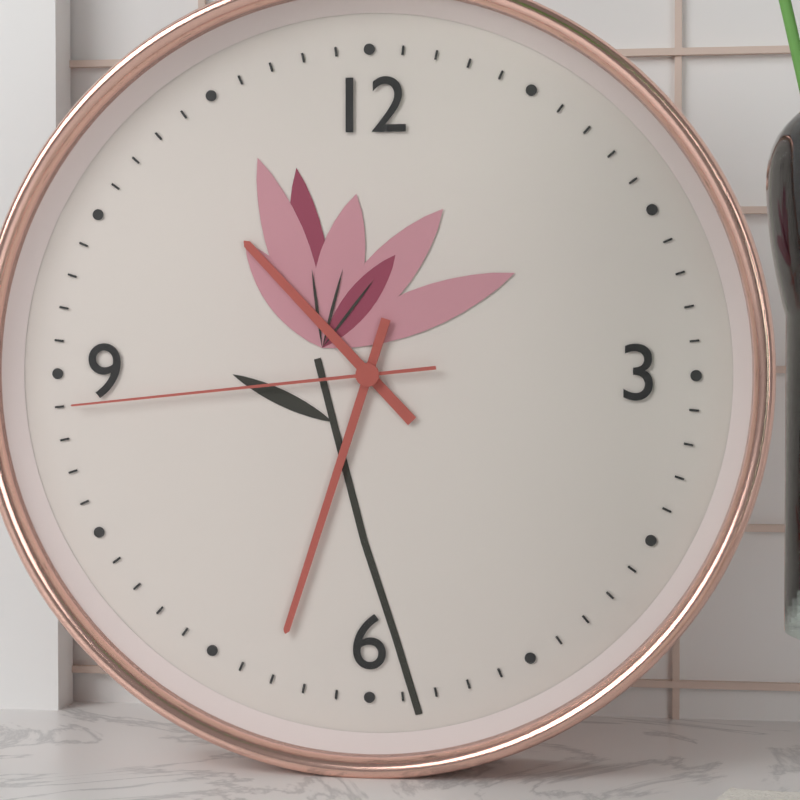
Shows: 10:33:44
